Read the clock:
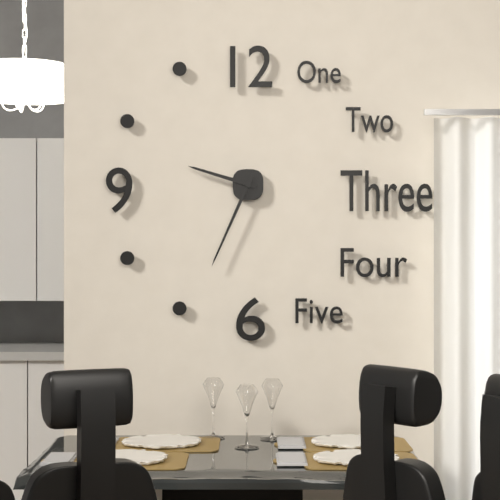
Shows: 9:34
